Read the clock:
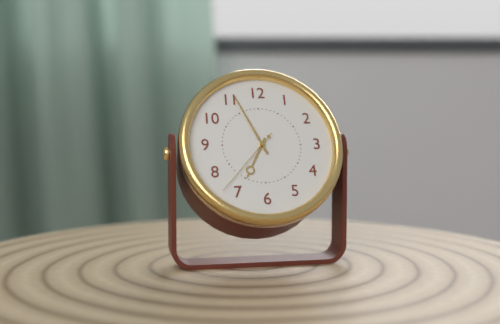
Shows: 6:56:37
